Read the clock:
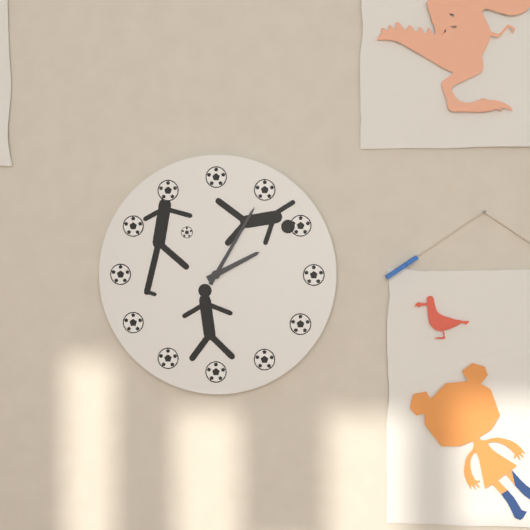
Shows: 2:05
